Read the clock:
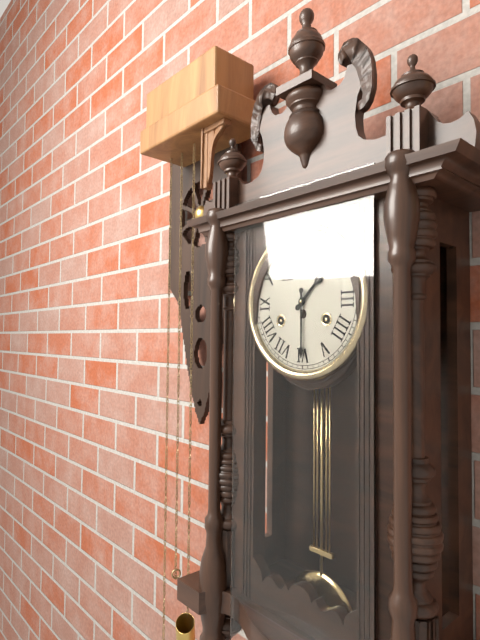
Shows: 1:30
